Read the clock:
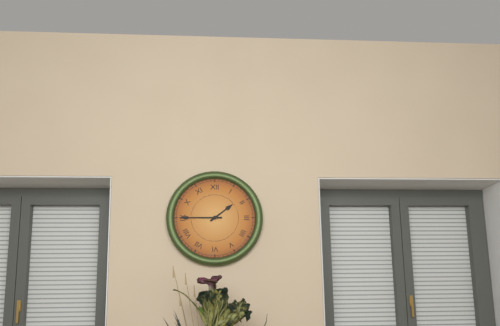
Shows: 1:45
